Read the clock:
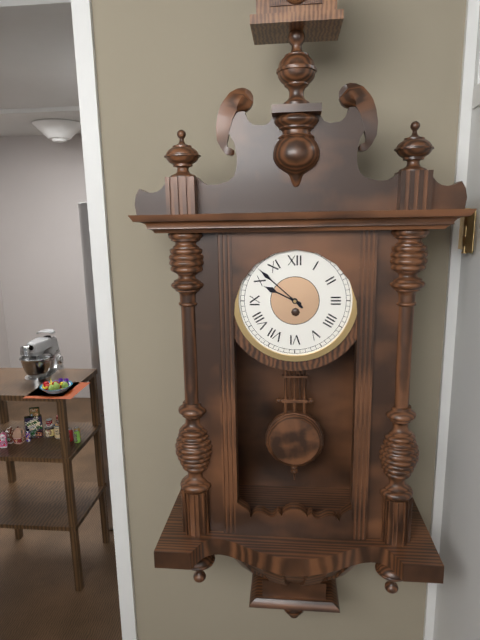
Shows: 9:52
